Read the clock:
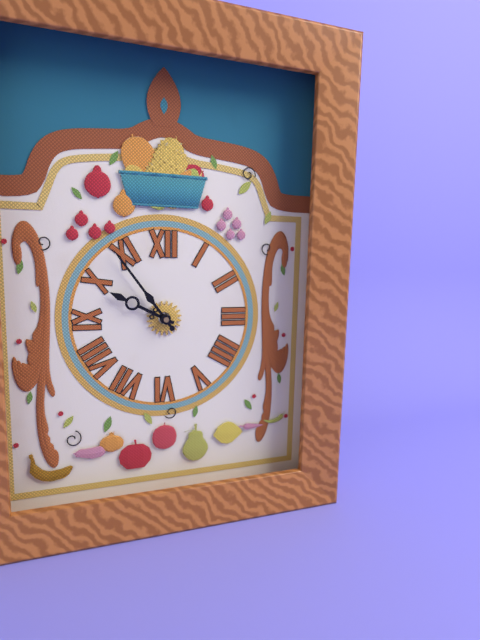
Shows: 9:54
